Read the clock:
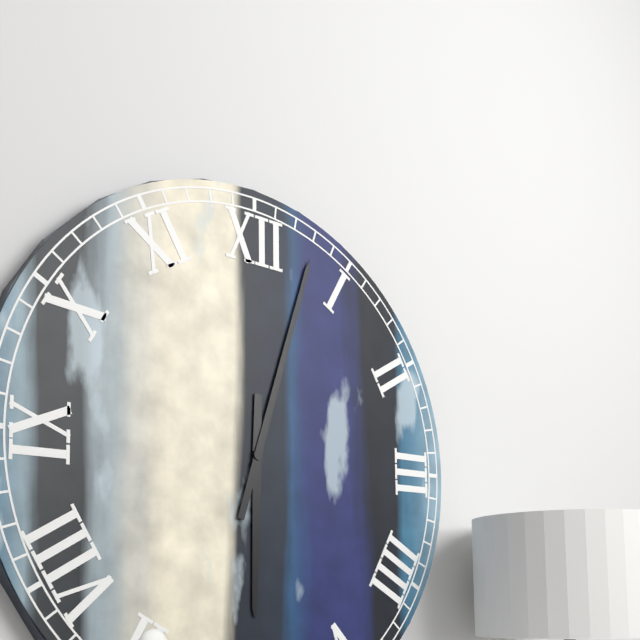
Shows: 6:03
